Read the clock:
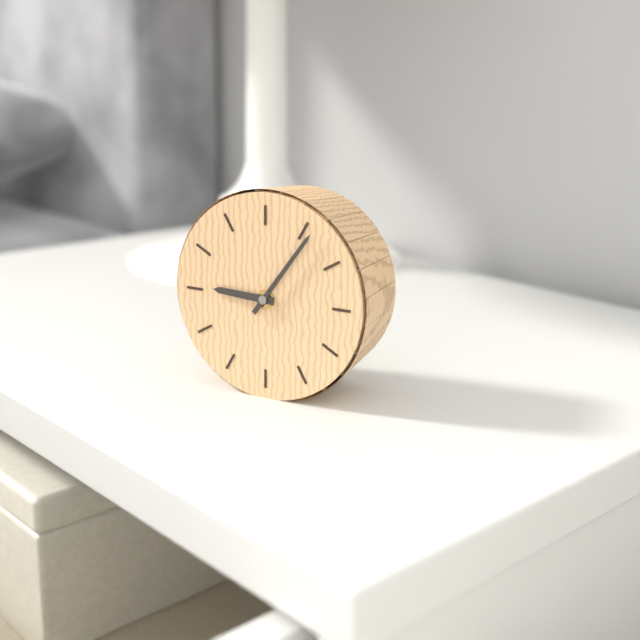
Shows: 9:06
